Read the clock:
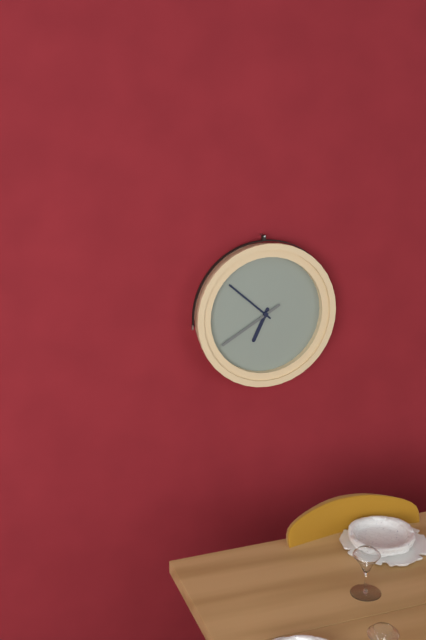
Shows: 6:52:40
